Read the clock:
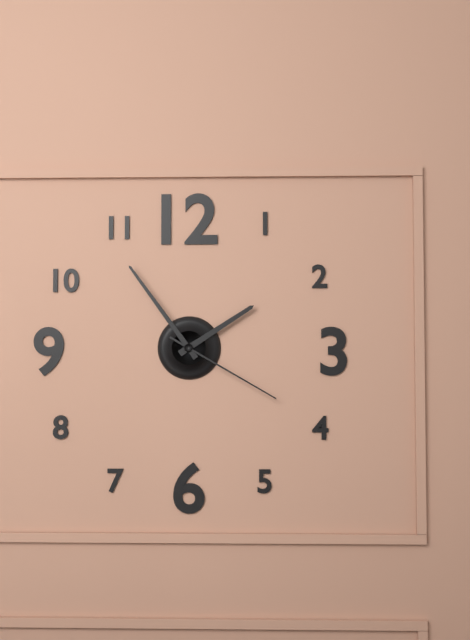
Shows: 1:54:20
